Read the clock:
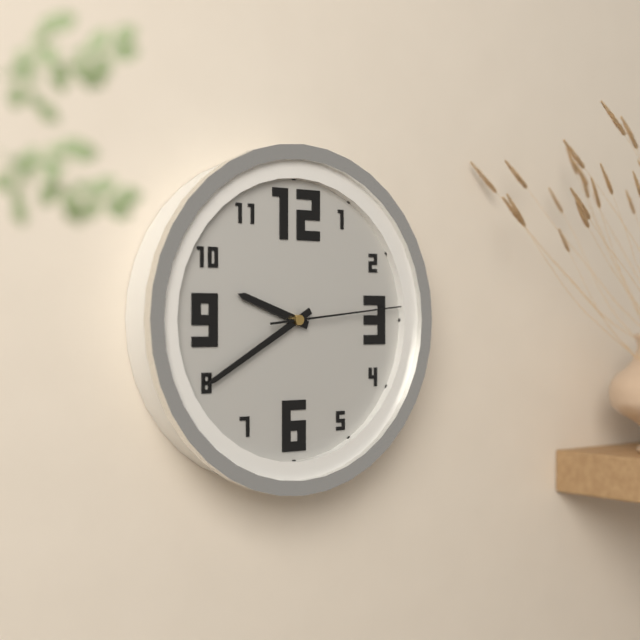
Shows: 9:40:14
